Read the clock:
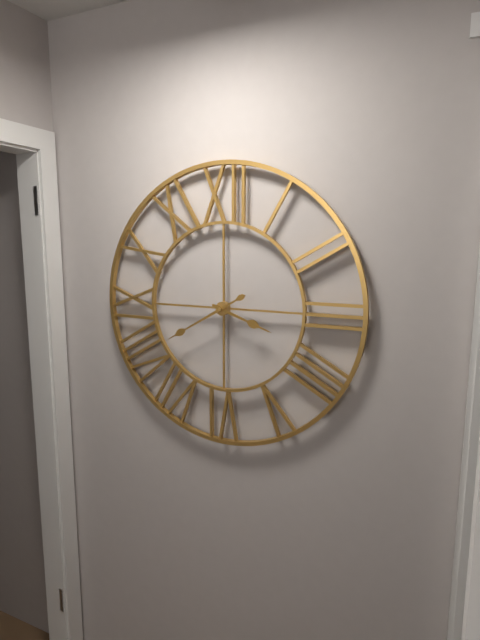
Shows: 3:40
